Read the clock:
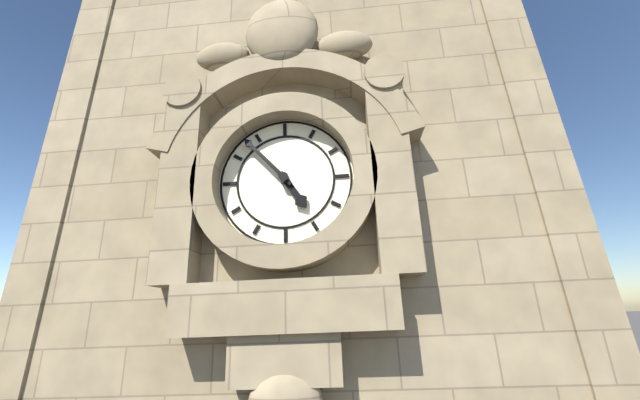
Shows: 4:53
